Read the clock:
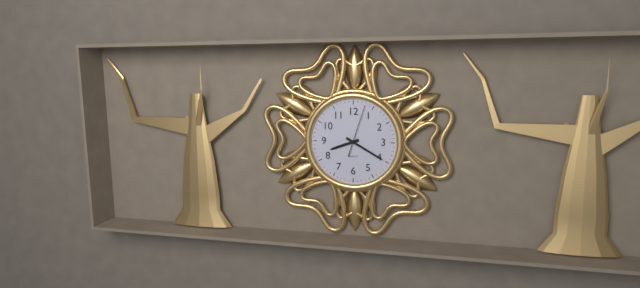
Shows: 8:20
